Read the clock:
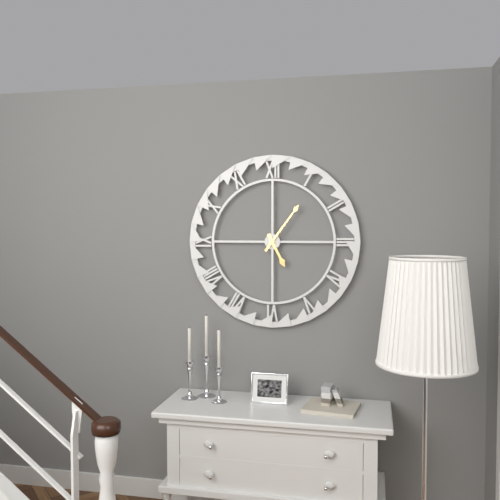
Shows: 5:06
